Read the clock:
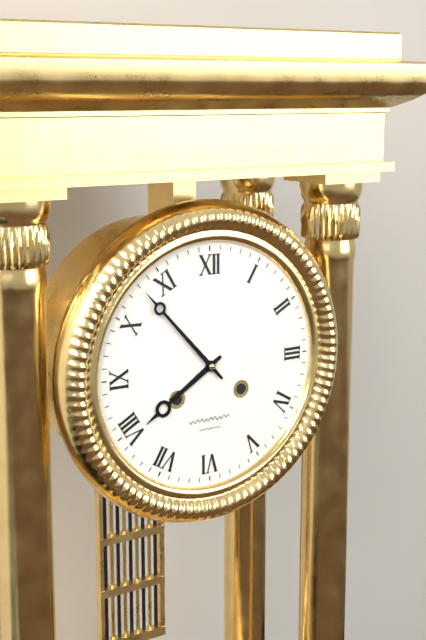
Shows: 7:53
